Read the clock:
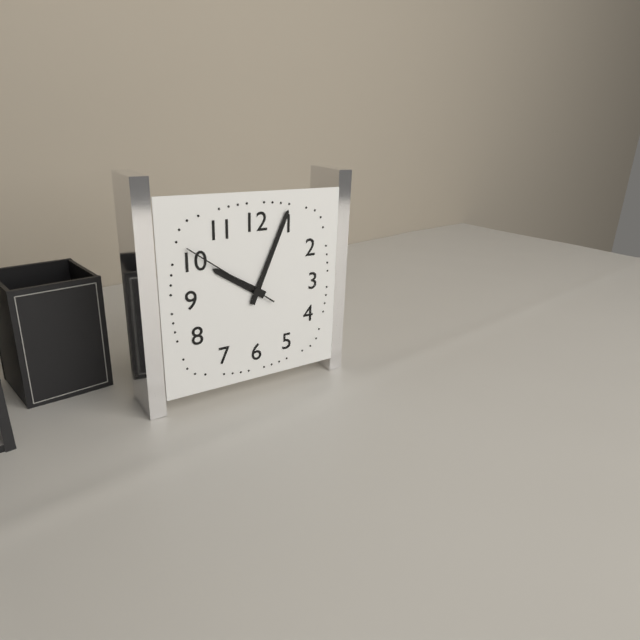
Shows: 10:04:51
